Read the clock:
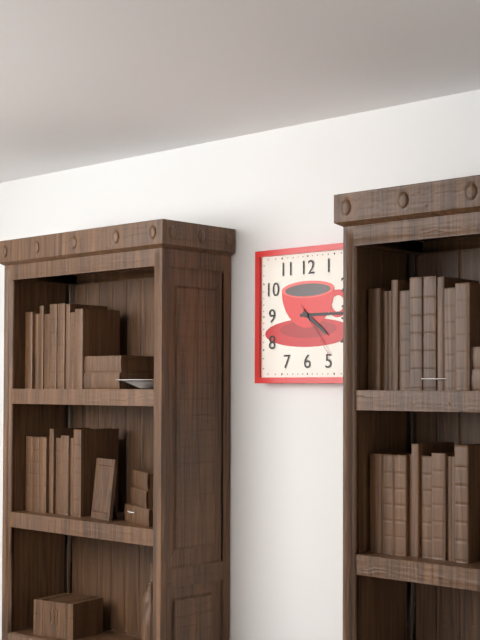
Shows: 4:15:24
